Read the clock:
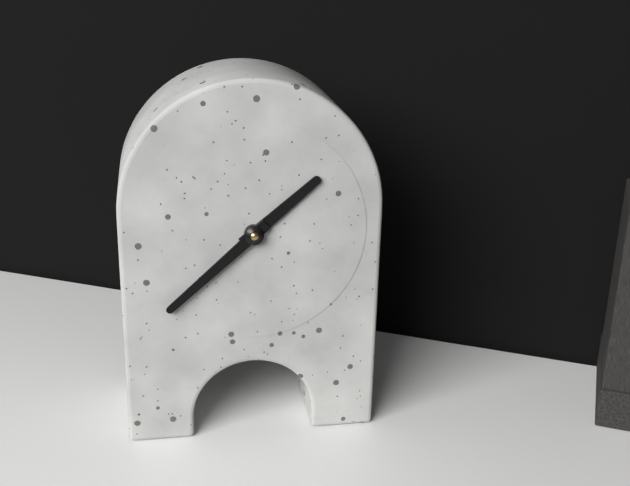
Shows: 1:38
